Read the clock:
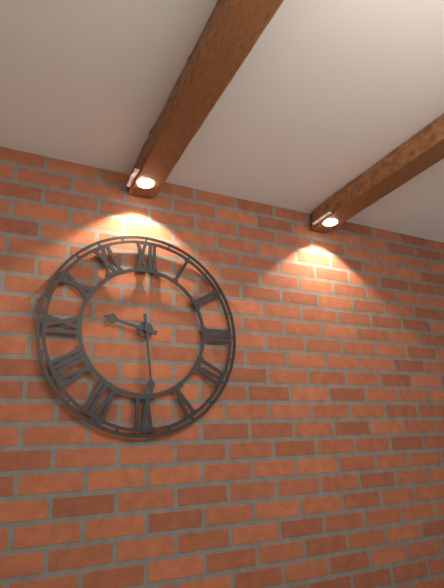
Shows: 9:29
